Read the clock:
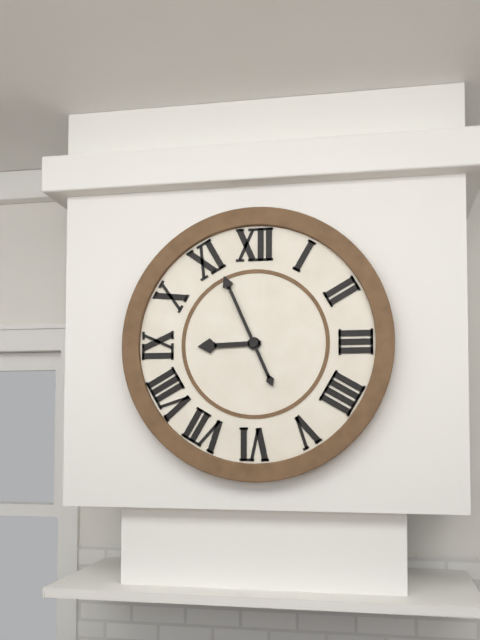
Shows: 8:56
